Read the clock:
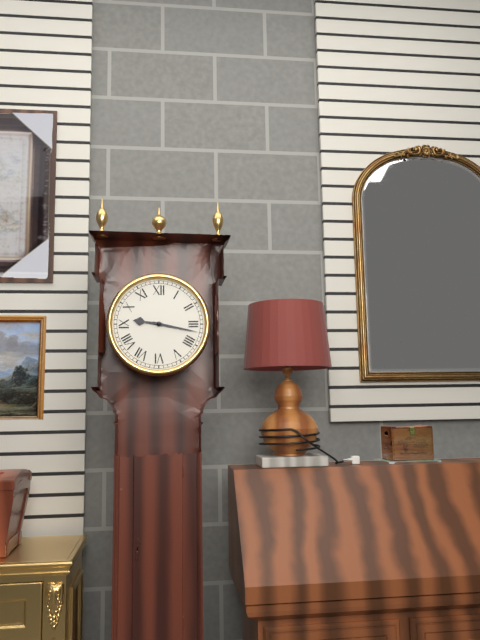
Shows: 9:17
